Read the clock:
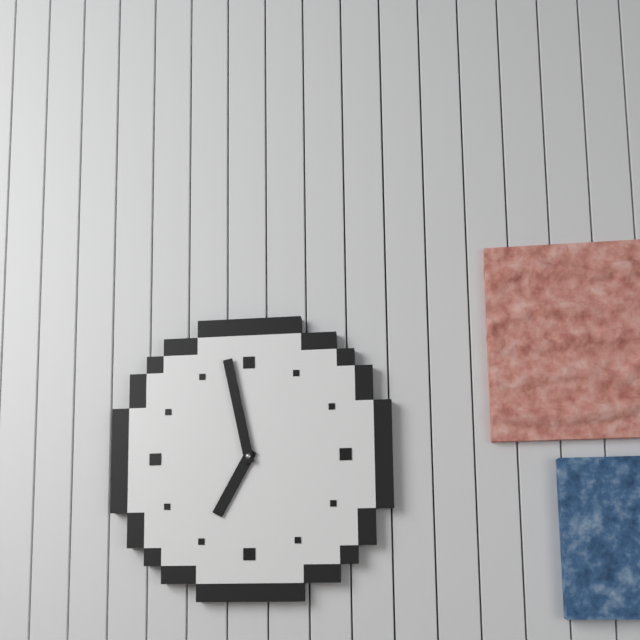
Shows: 6:58
